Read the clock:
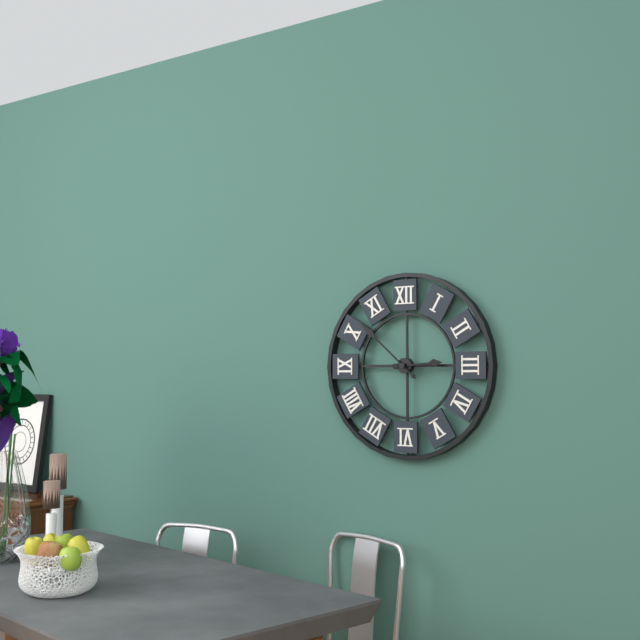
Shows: 2:52
